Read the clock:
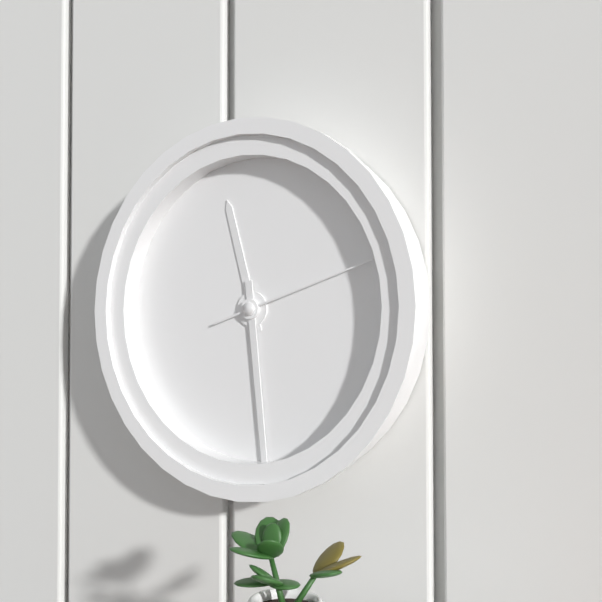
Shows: 11:29:12
